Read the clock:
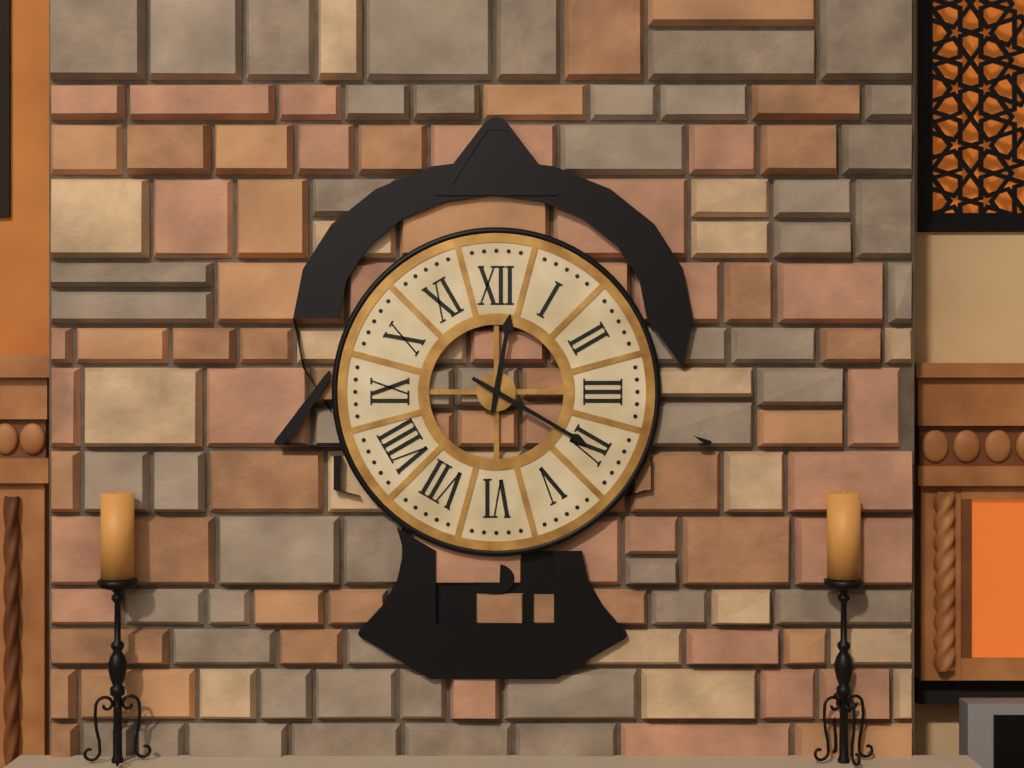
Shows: 12:20
